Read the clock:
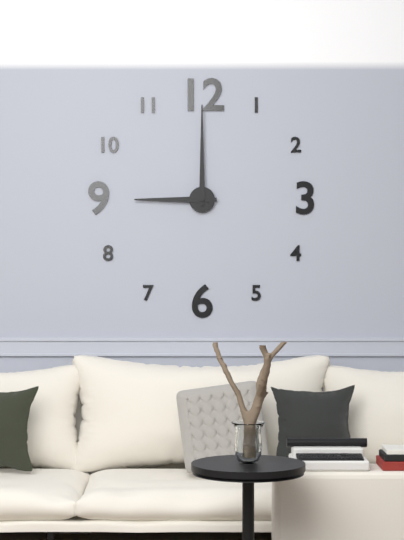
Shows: 9:00
